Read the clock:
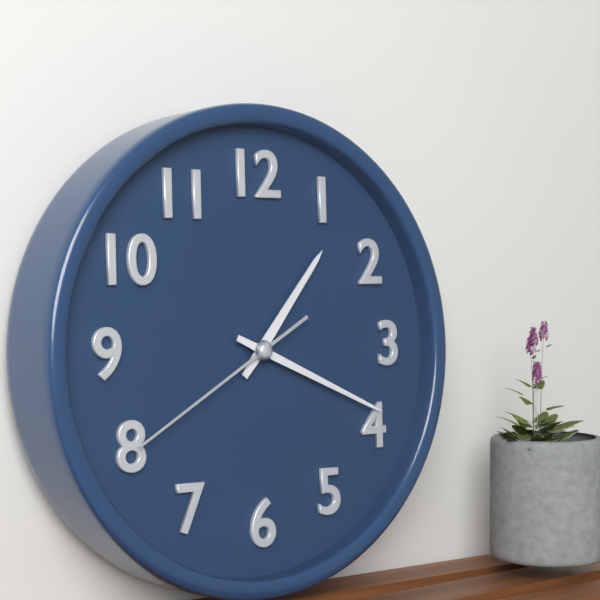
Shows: 1:19:40
